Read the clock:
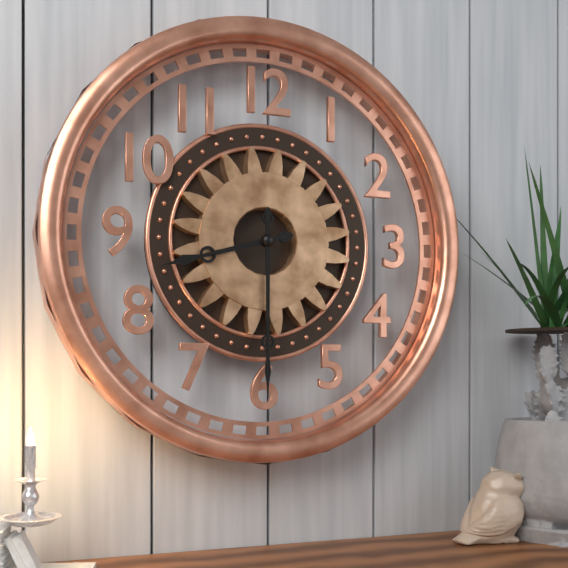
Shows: 8:30
